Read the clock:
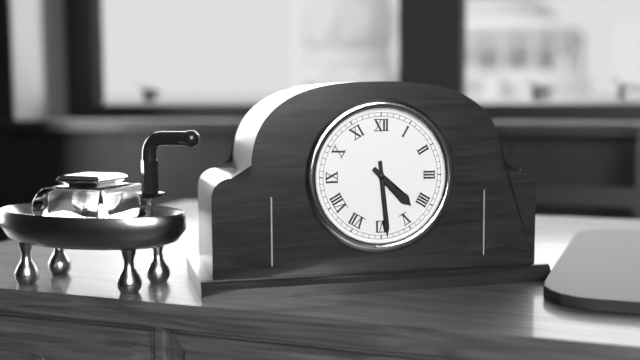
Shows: 4:29
